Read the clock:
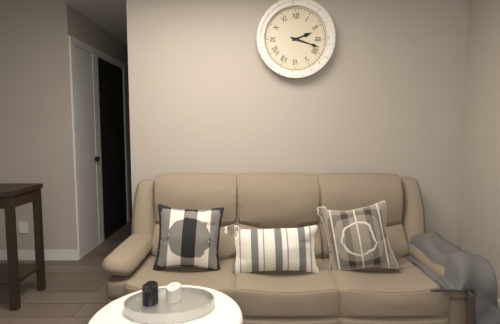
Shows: 2:18
